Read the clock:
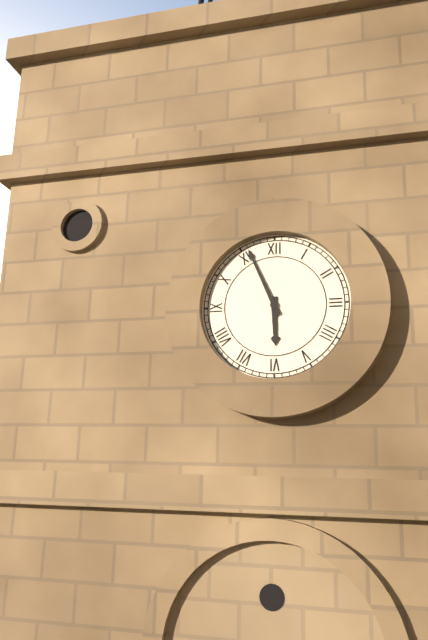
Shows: 5:56
